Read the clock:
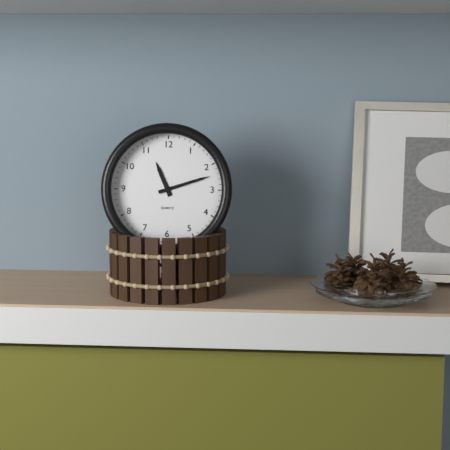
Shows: 11:12
